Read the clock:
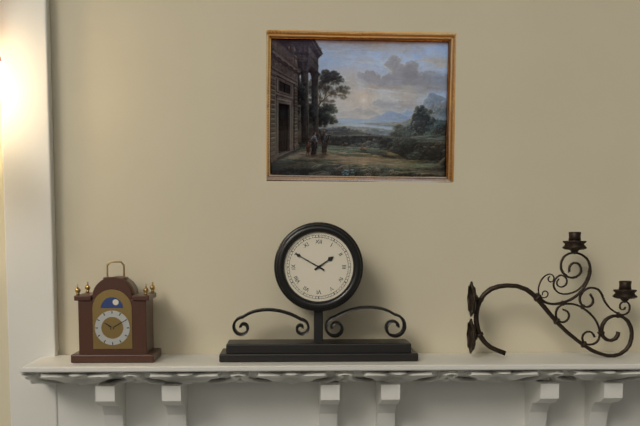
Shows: 1:50
